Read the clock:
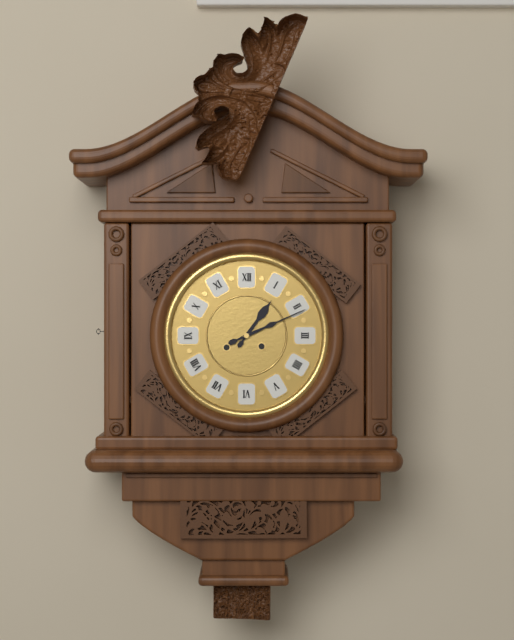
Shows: 1:11
